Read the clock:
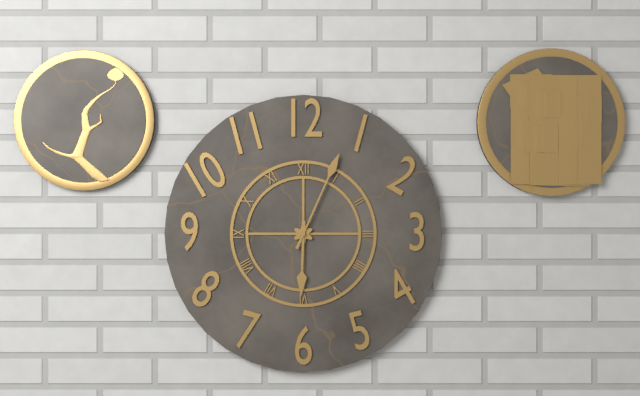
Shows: 6:04
